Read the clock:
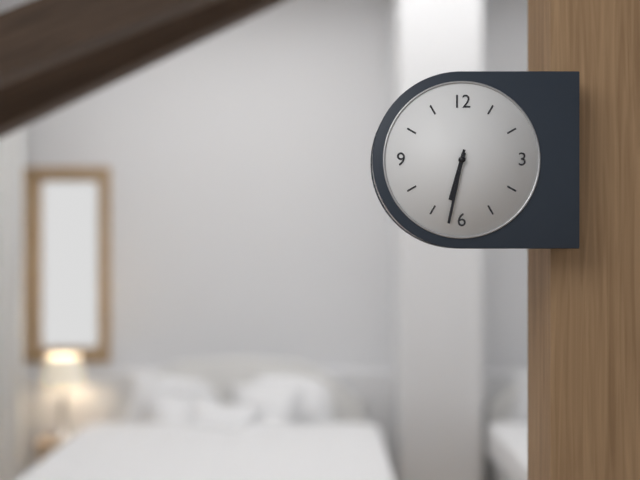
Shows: 6:32
